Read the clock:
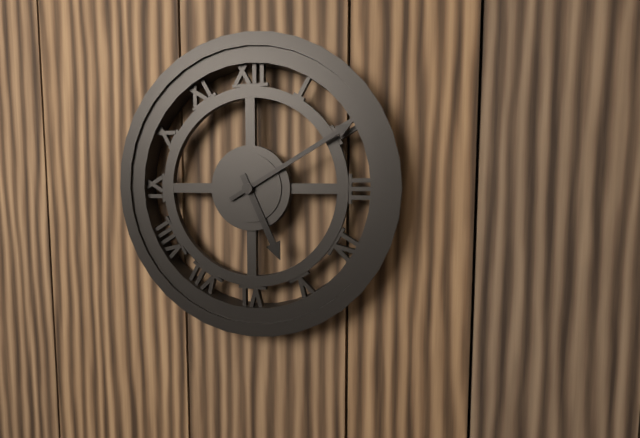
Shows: 5:10
